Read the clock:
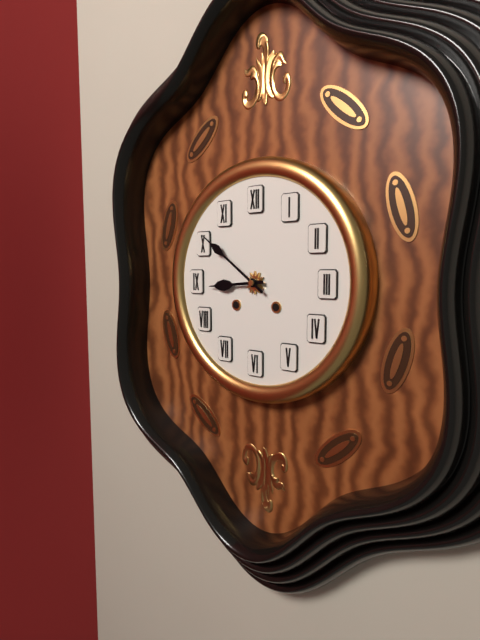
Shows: 8:51
